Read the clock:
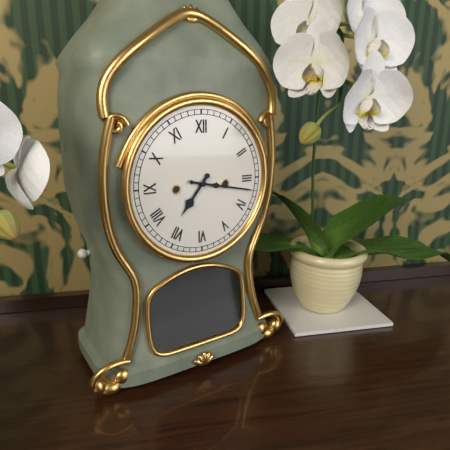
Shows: 7:17
